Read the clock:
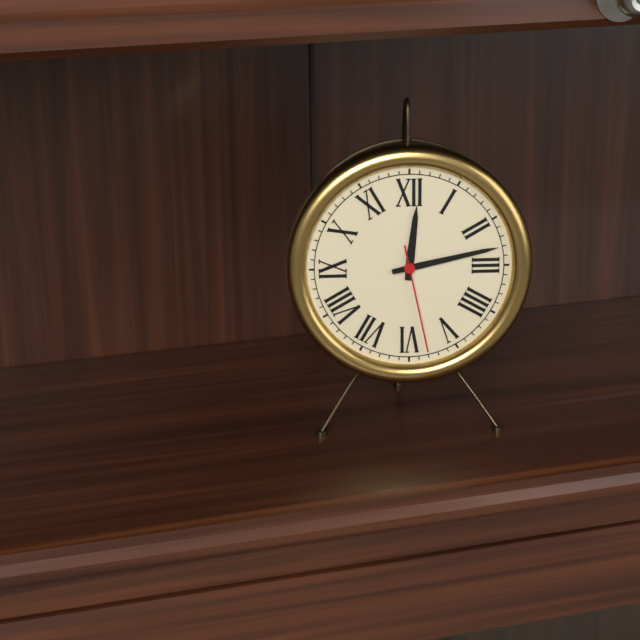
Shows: 12:13:28
